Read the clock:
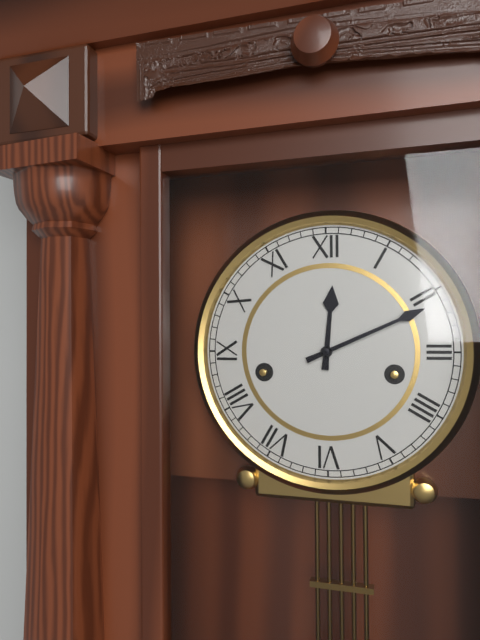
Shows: 12:11
